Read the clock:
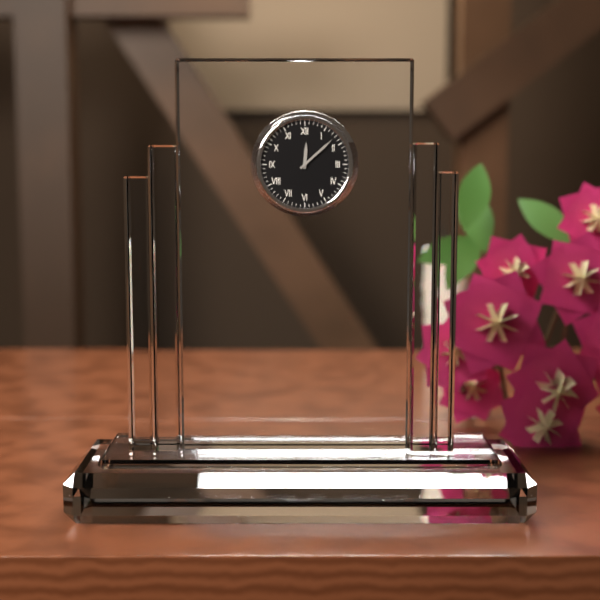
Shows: 12:08
